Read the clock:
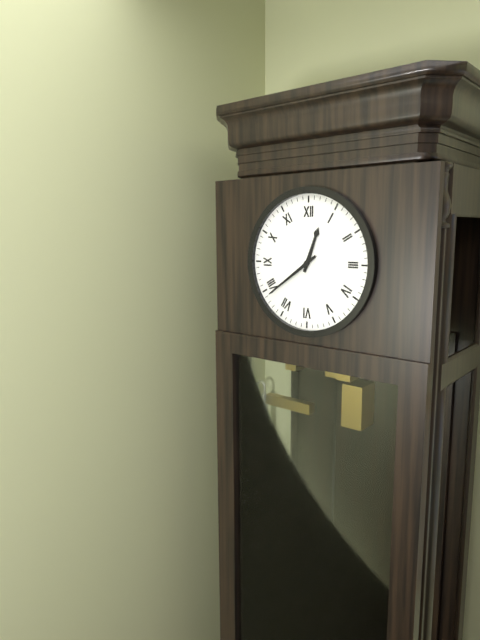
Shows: 12:39
